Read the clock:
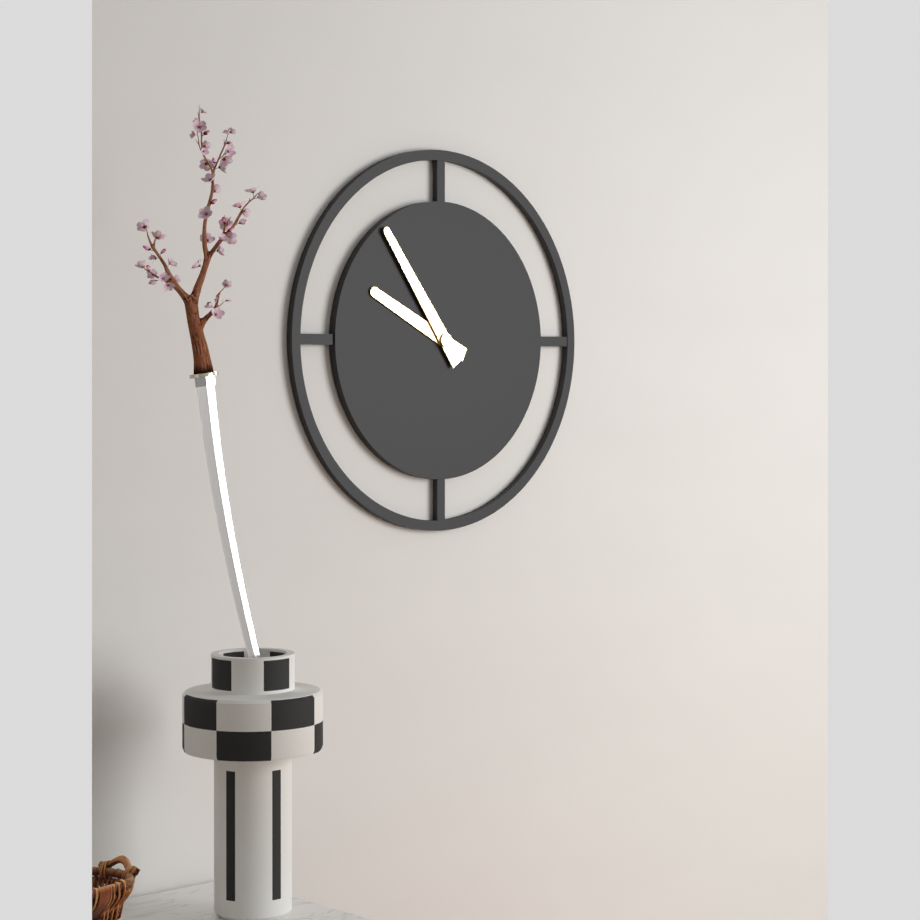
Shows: 9:54
